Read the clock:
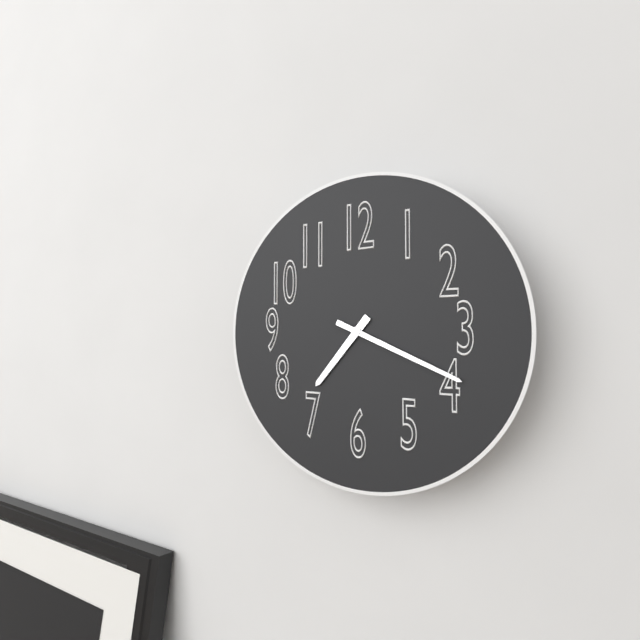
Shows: 7:19
